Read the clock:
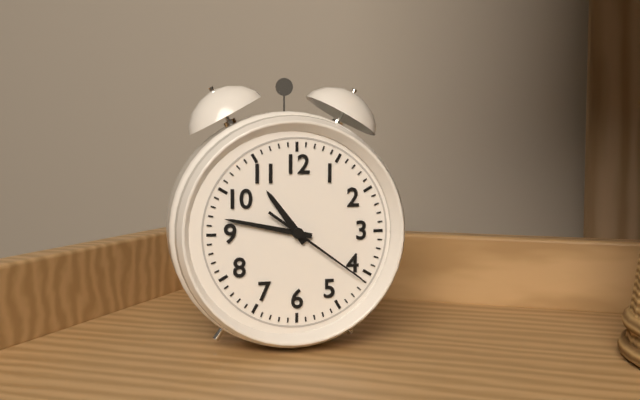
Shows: 10:47:21
